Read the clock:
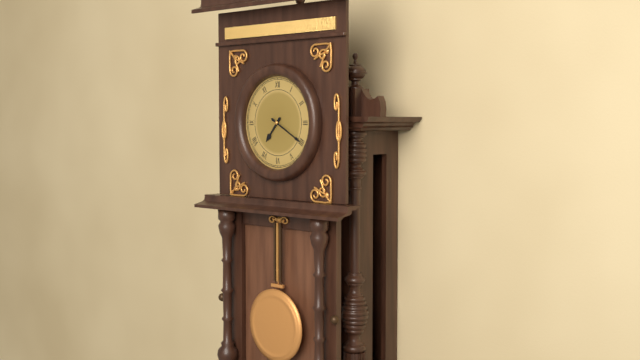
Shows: 7:20
